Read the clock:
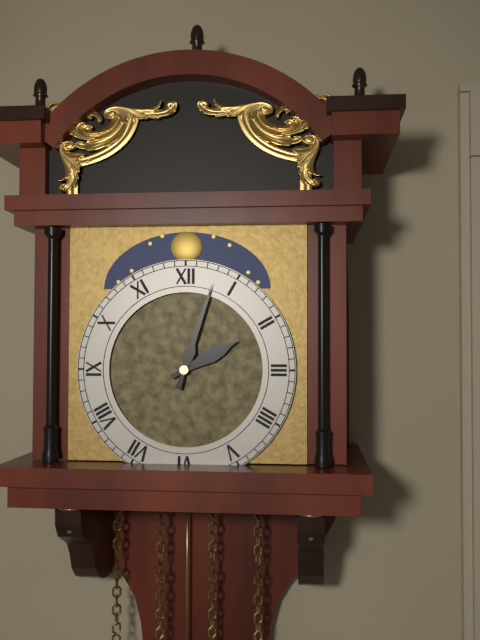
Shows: 2:03
